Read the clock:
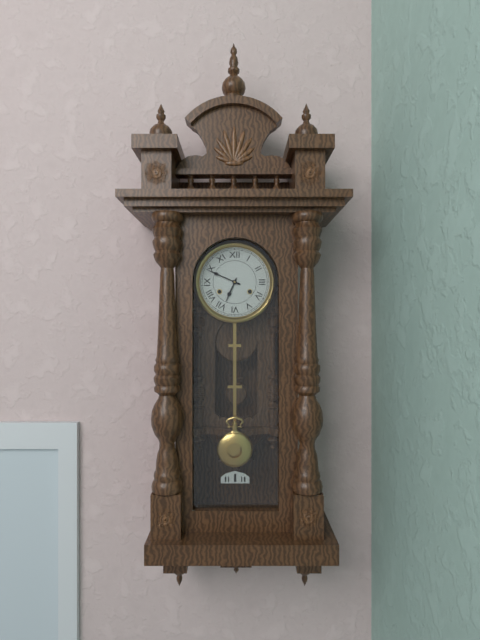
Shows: 6:49
